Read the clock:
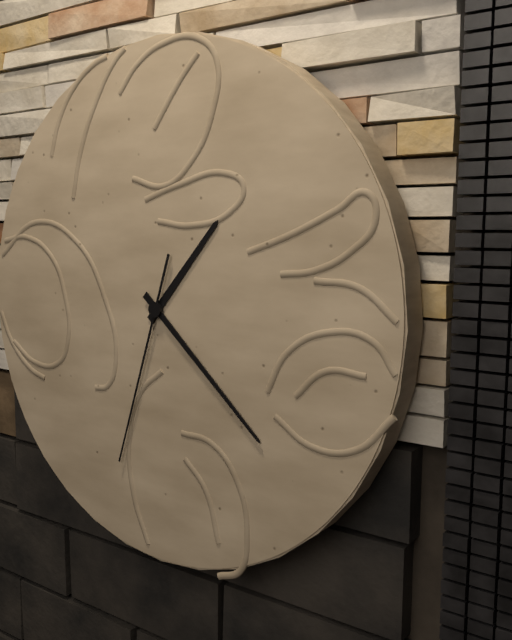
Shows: 1:22:33
